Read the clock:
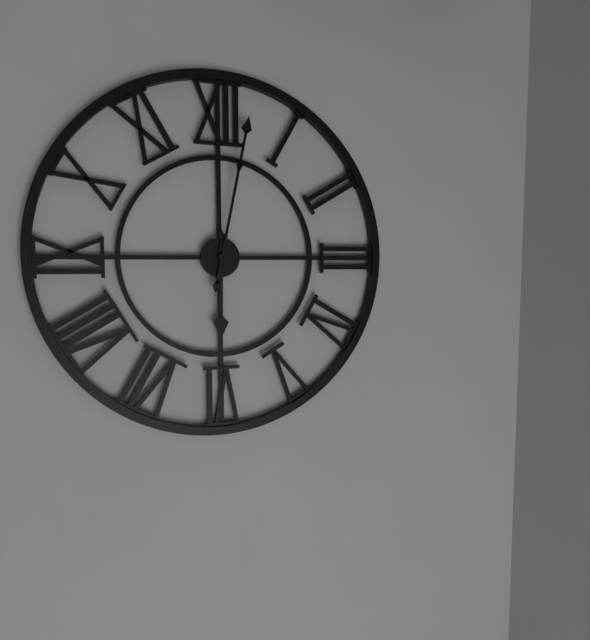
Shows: 6:02
